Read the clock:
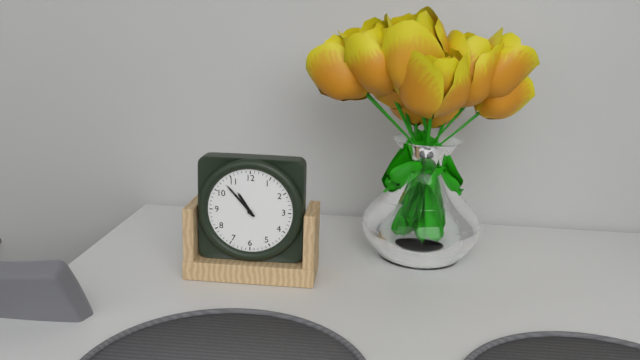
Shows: 10:53
